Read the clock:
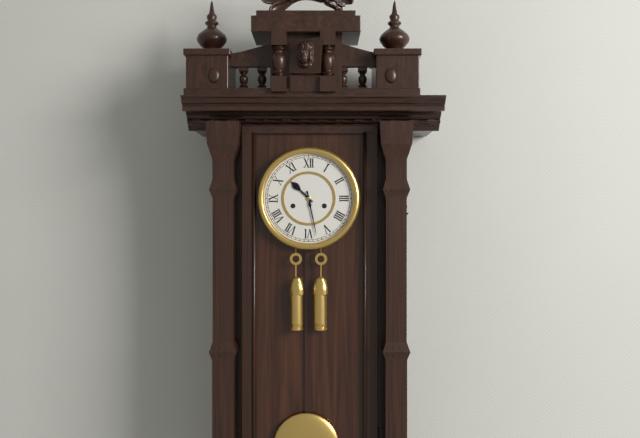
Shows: 10:28
